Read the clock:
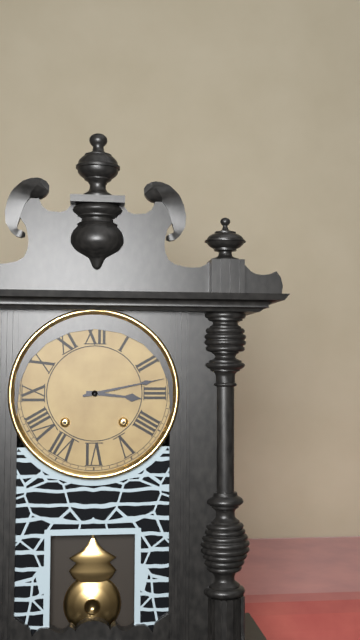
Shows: 3:13
